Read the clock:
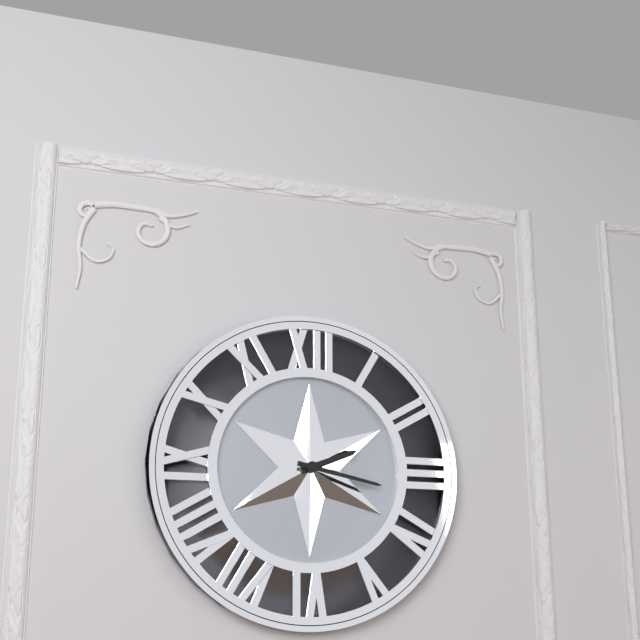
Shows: 2:17
